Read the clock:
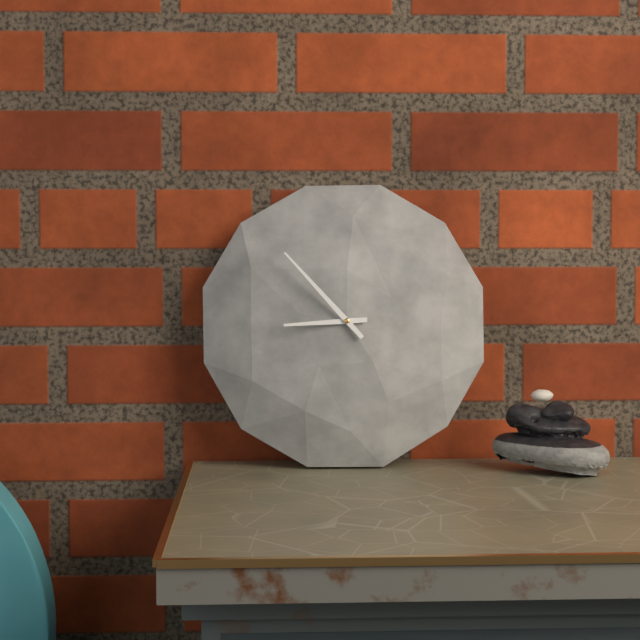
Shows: 8:53
